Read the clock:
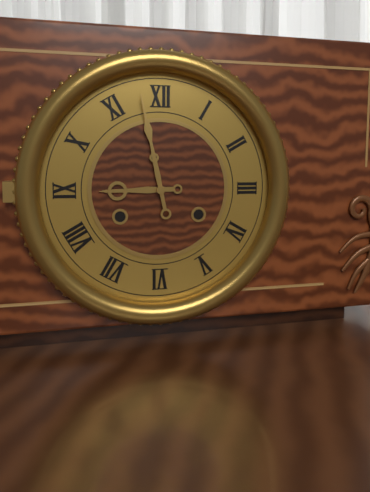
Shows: 8:58
